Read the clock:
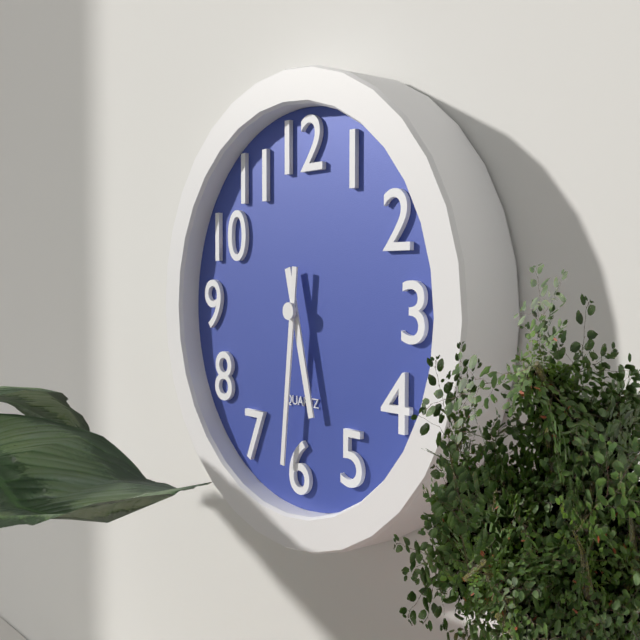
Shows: 5:31
